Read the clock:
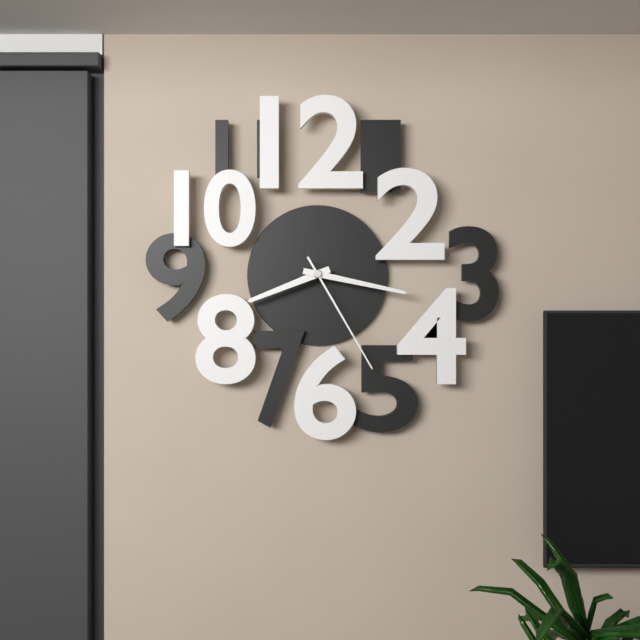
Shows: 8:17:25
